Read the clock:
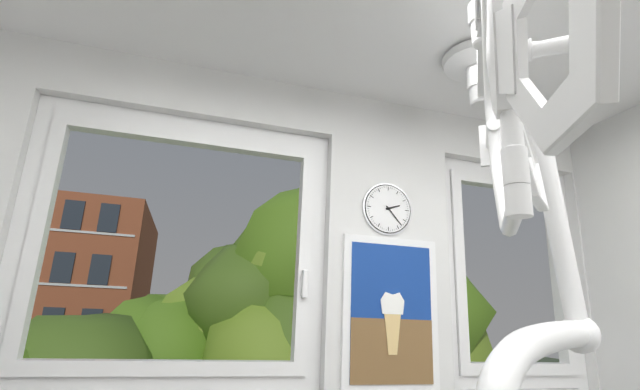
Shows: 2:23
